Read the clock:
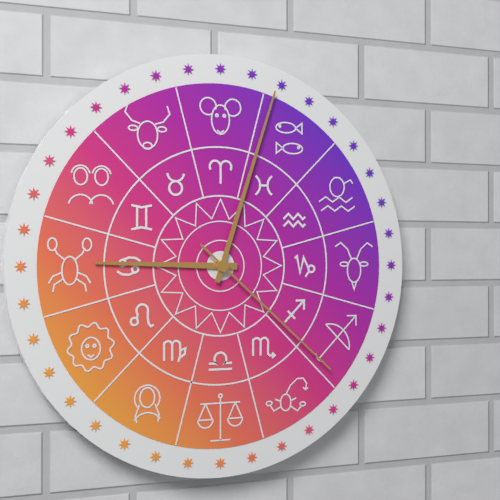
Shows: 9:03:22
